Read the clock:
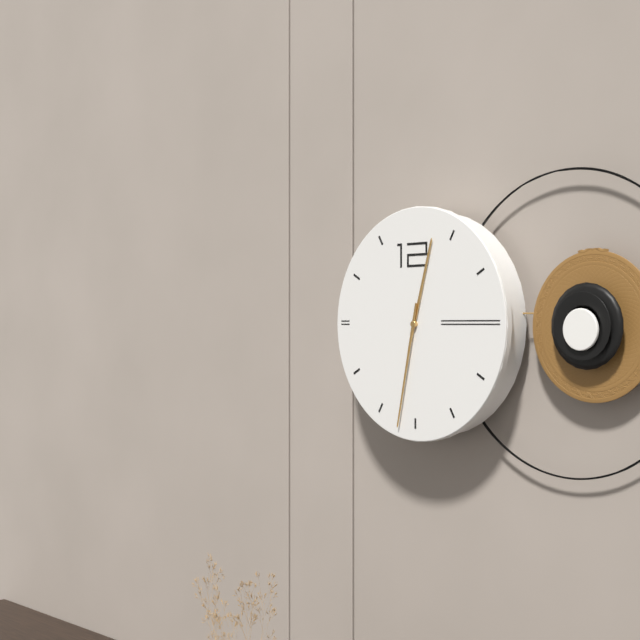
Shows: 12:32
